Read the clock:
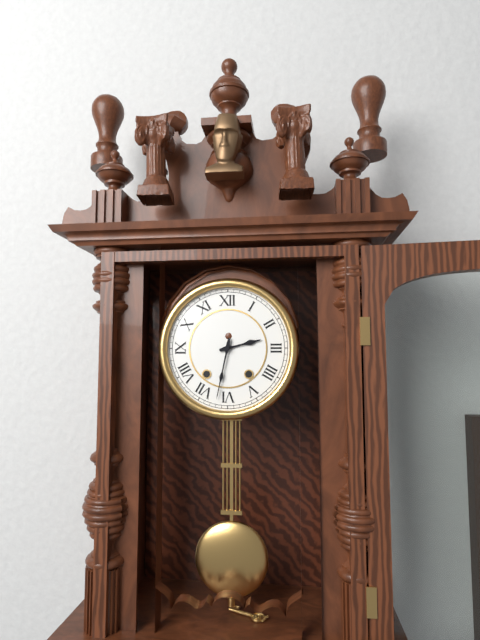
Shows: 2:32
